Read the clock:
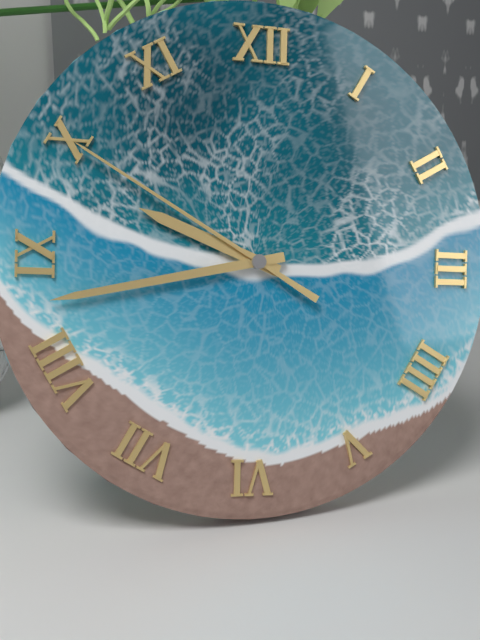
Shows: 9:43:50
